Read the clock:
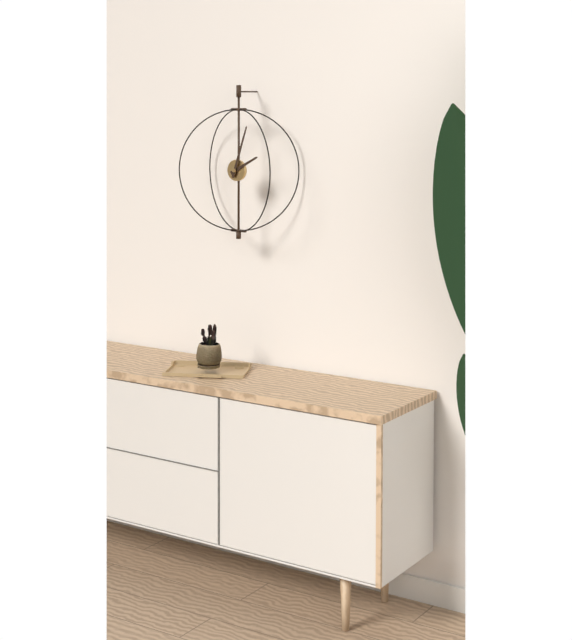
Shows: 2:03
